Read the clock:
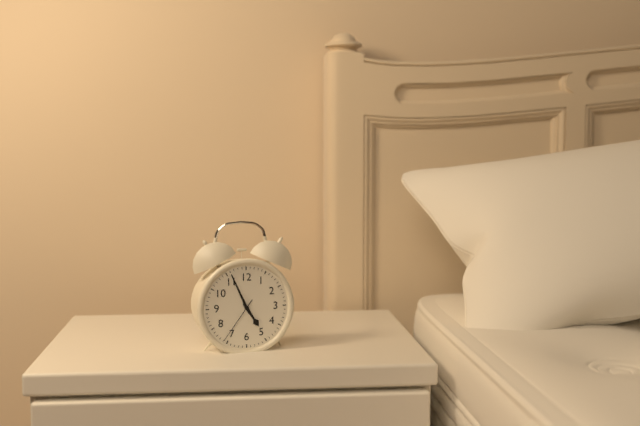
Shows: 4:56:36
